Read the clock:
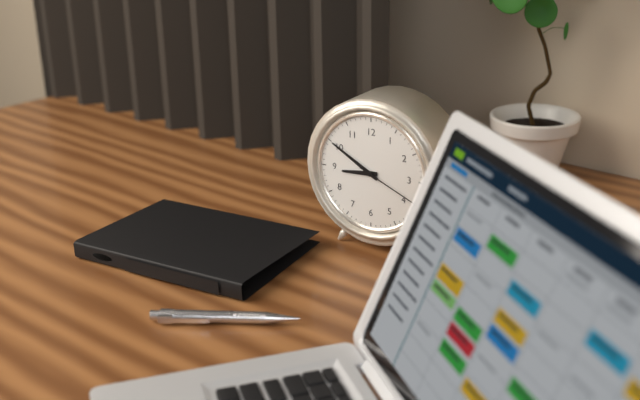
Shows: 8:50:19
